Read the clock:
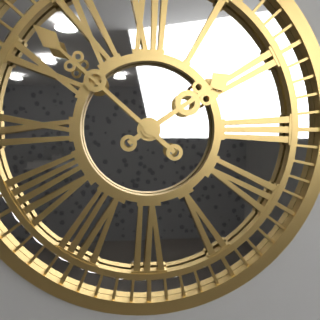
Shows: 1:52
